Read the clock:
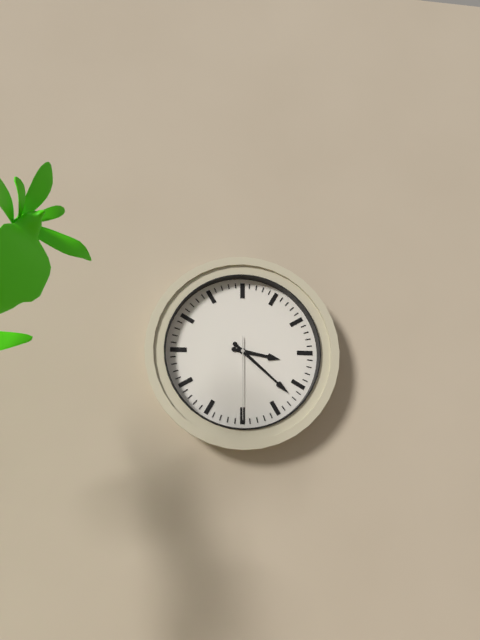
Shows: 3:22:30
